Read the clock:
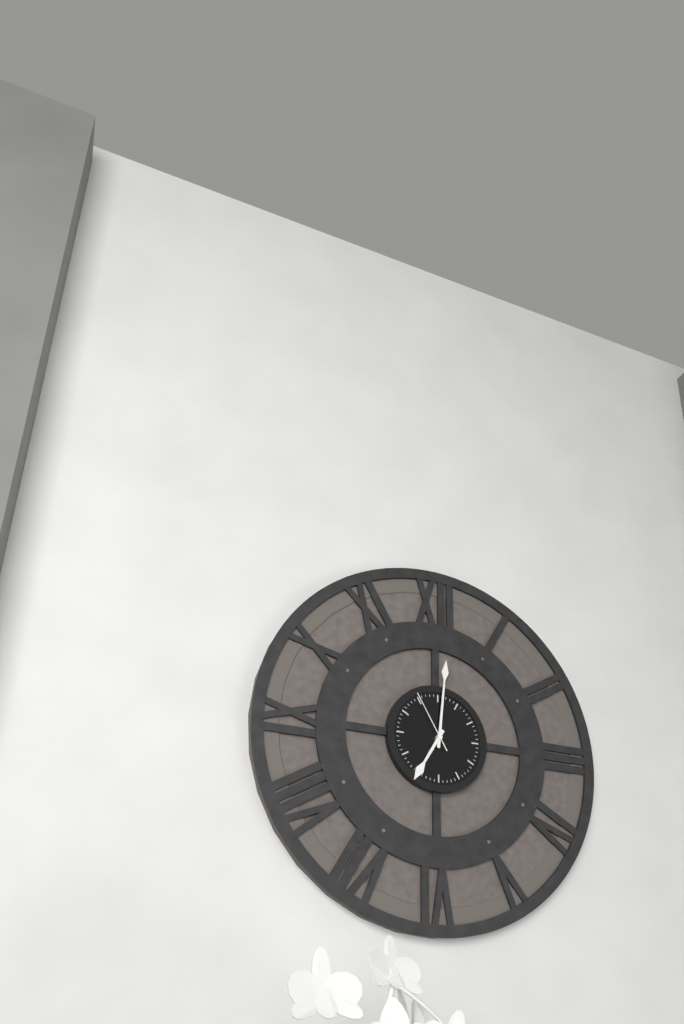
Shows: 7:01:55
